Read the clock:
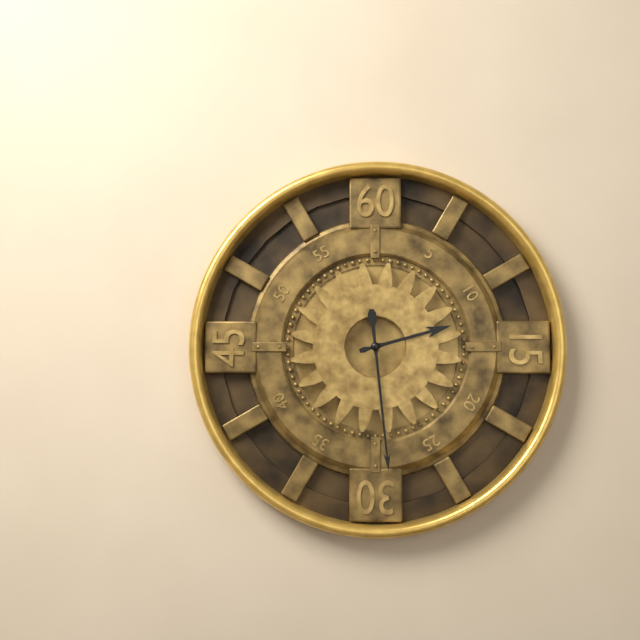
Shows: 2:29
